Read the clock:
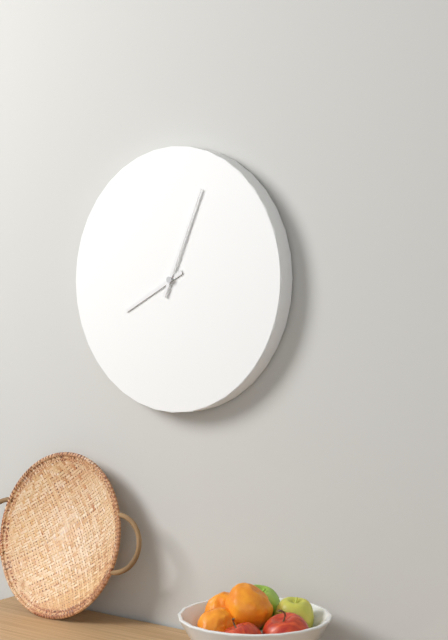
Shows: 8:04
